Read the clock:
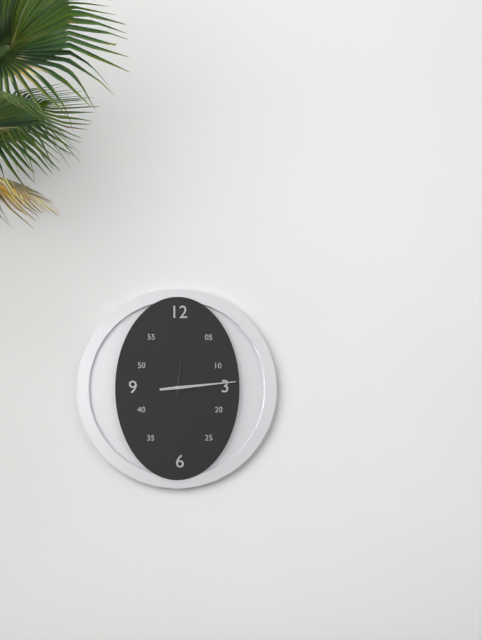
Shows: 12:14
